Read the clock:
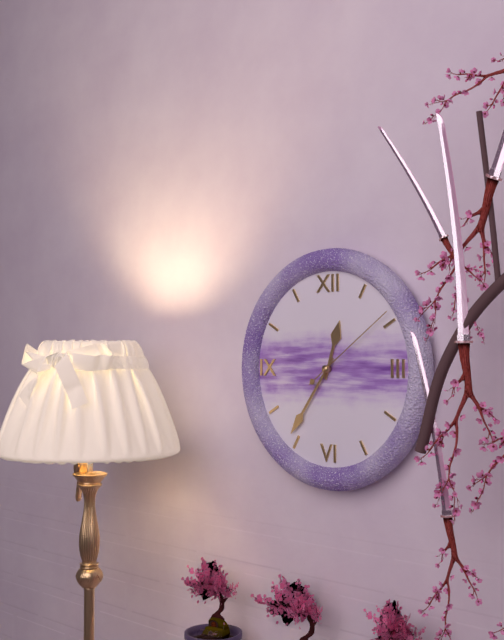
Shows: 12:36:09
